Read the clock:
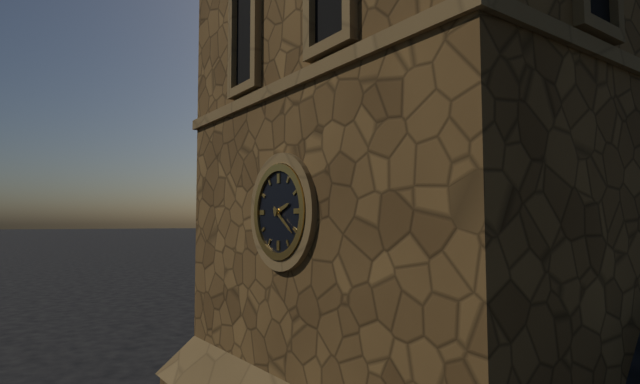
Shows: 2:21
